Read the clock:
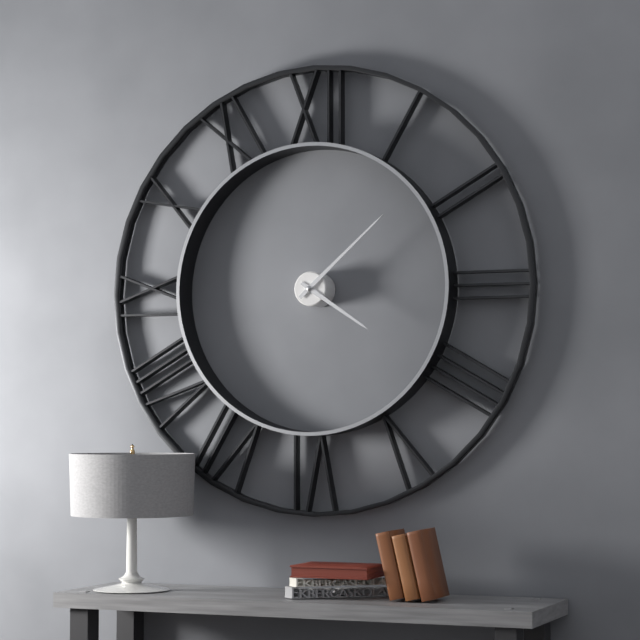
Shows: 4:08
